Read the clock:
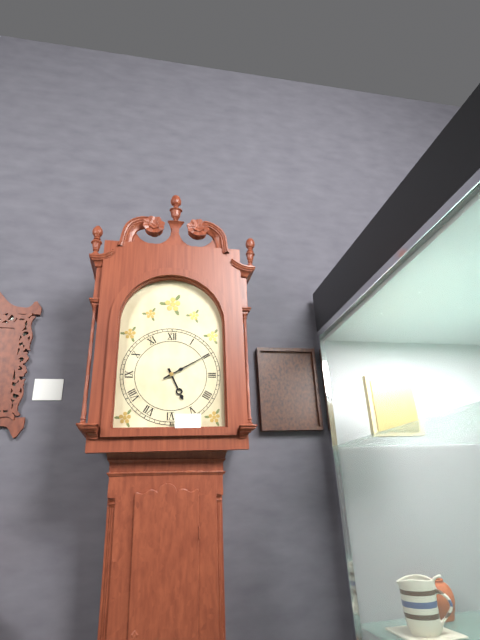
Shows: 5:10
